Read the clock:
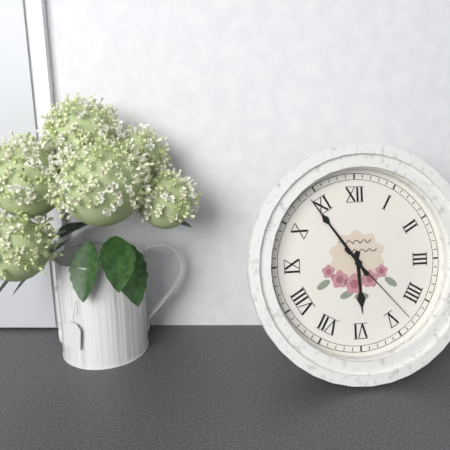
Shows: 5:54:23
